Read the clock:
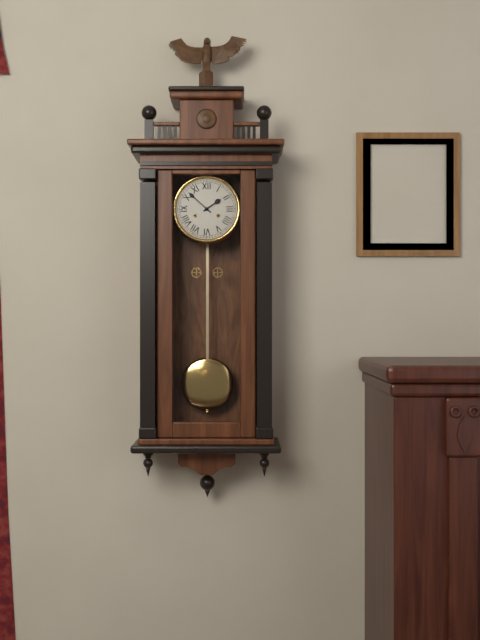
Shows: 1:52
